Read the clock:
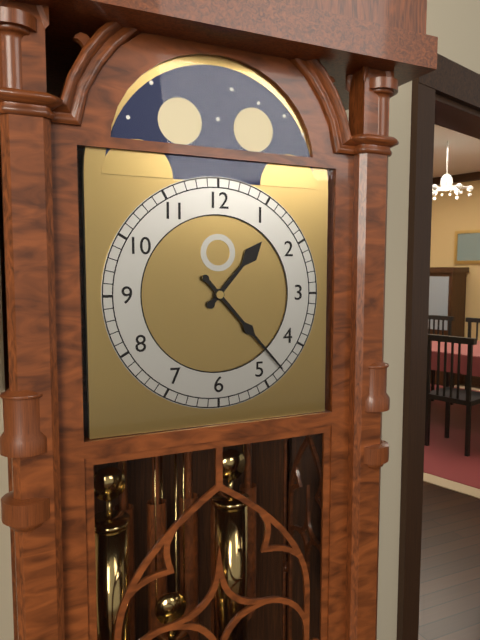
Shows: 1:23
